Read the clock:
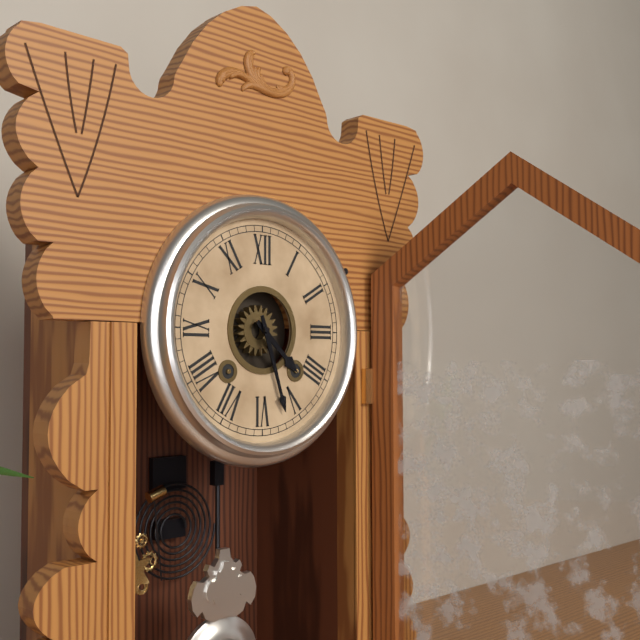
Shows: 4:27
